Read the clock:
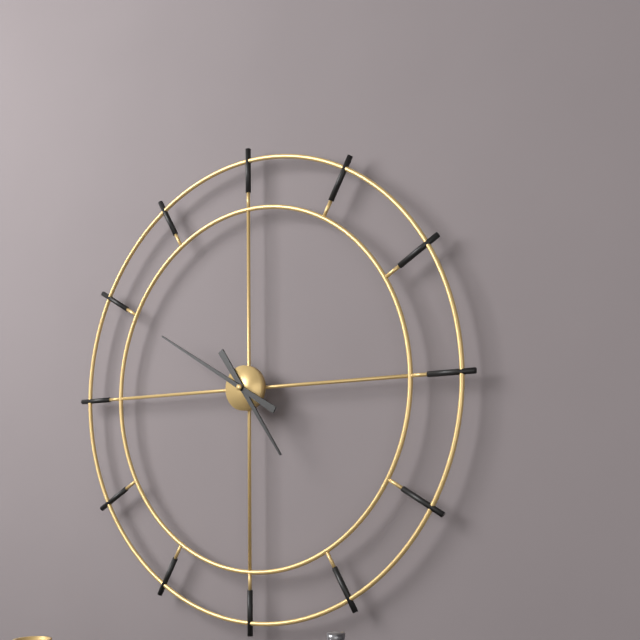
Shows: 4:50
